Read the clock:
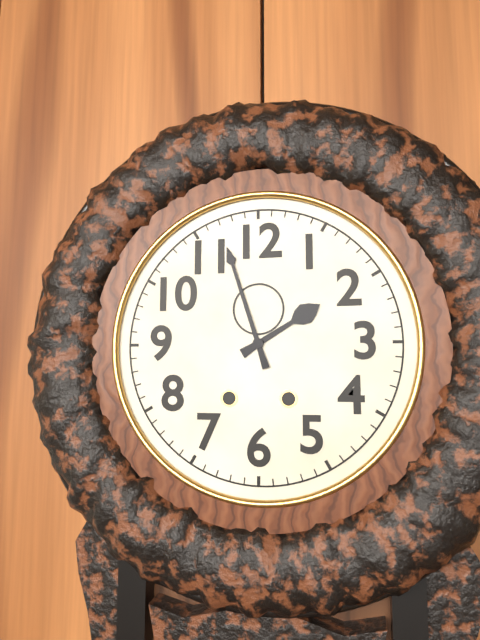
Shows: 1:57
